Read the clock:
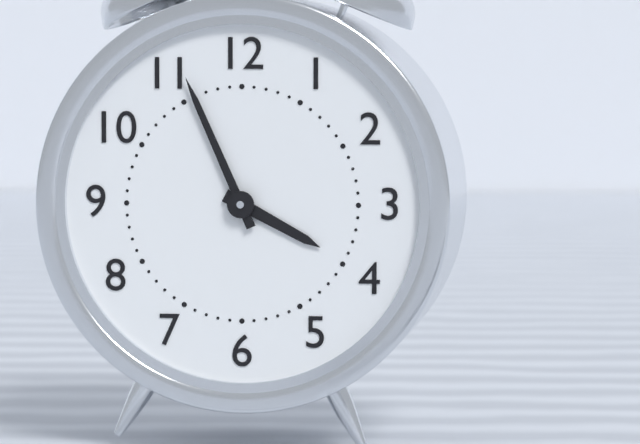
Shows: 3:56
